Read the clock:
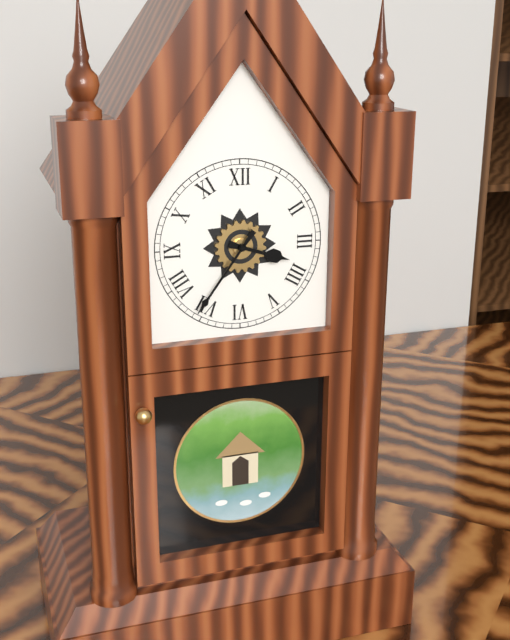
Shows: 3:36
